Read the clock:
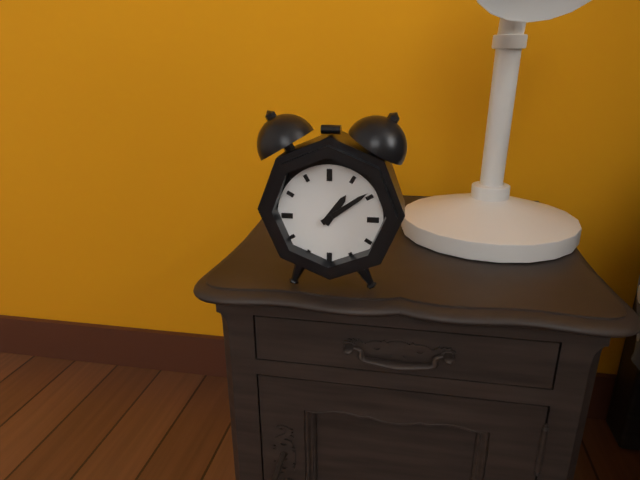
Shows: 1:09
